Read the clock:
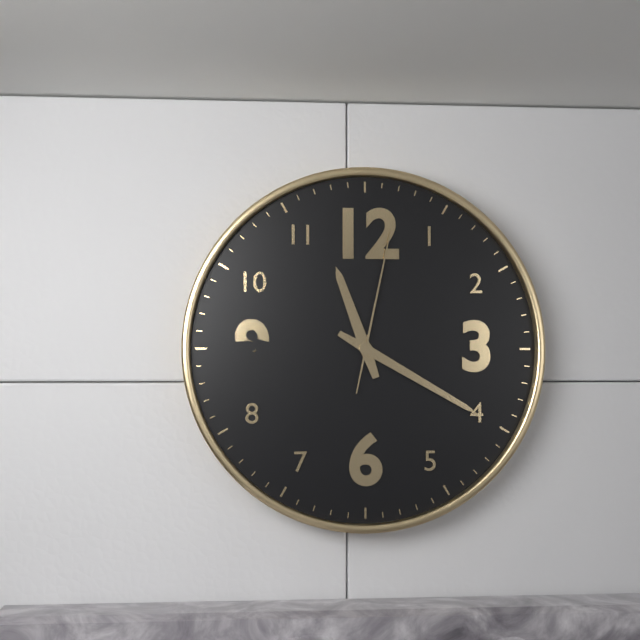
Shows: 11:20:02
